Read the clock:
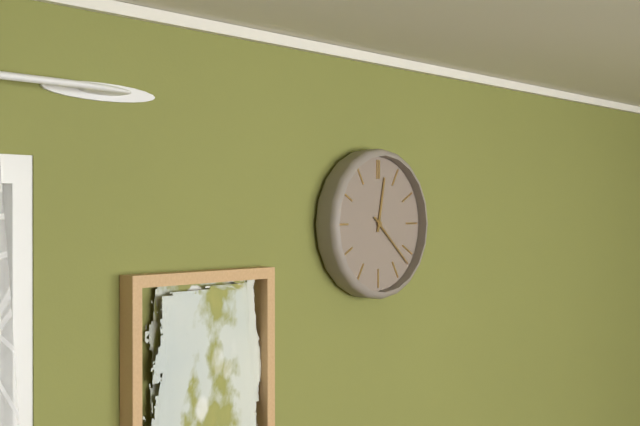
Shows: 12:22
